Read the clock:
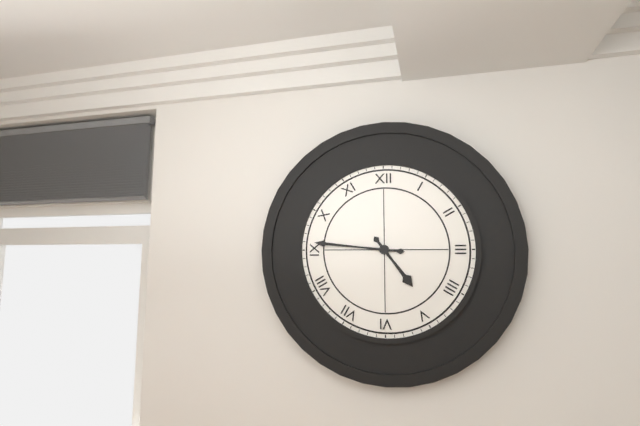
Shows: 4:46
